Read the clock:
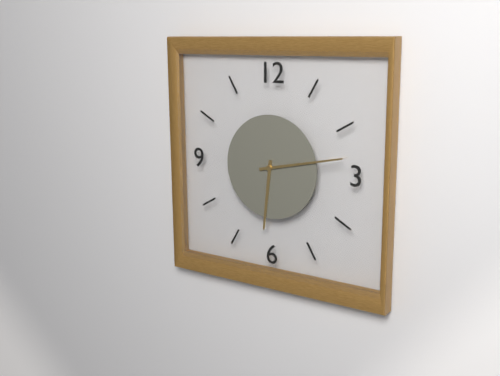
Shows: 6:13
